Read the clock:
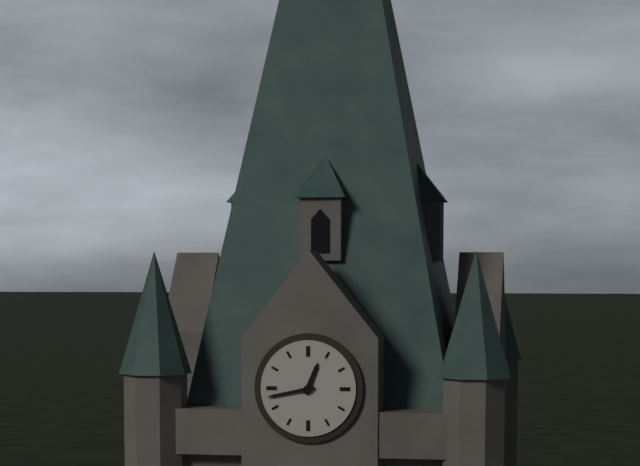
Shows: 12:43
